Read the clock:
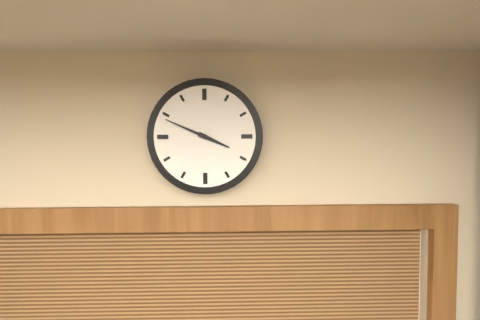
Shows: 3:49
